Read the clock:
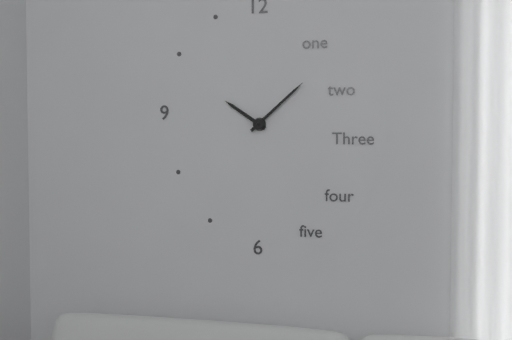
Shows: 10:08
